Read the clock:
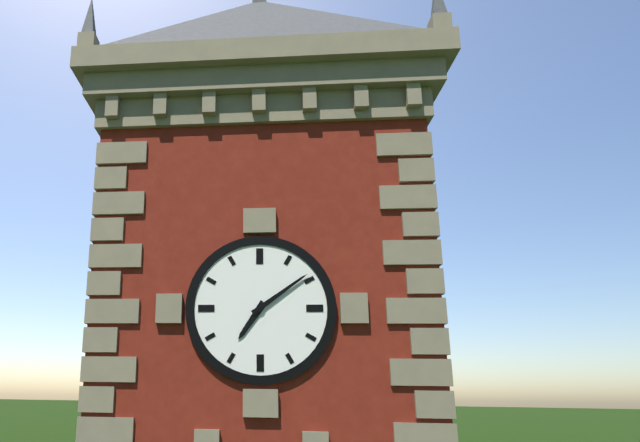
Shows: 7:09
